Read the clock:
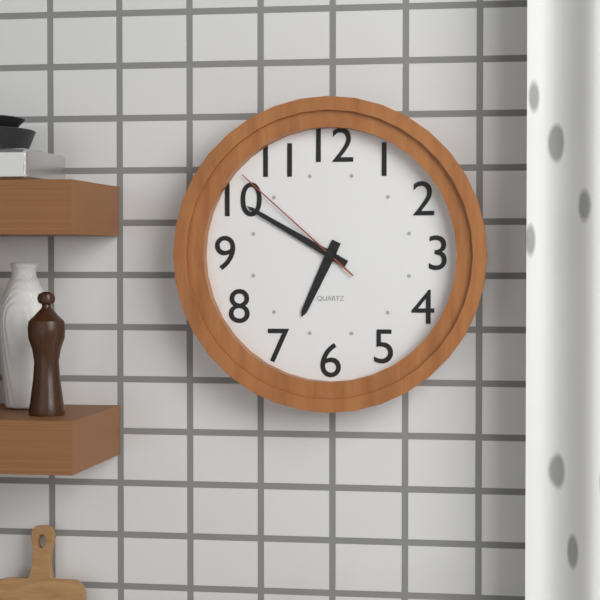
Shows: 6:50:52
